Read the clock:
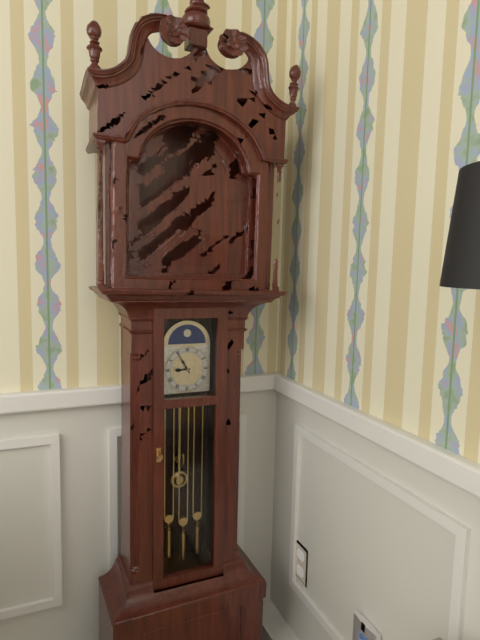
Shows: 8:55
